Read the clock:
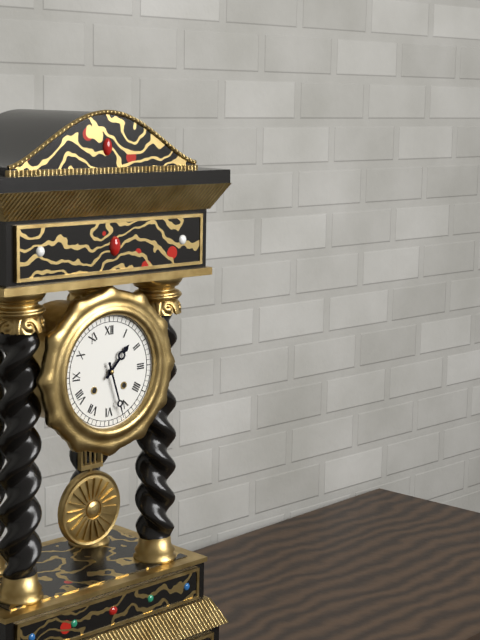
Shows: 1:27
